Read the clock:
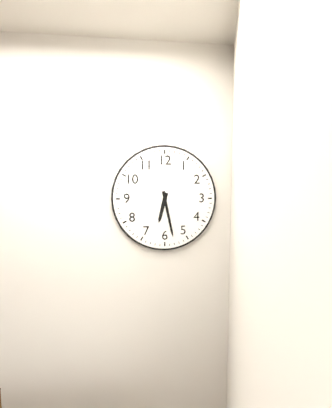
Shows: 6:28
